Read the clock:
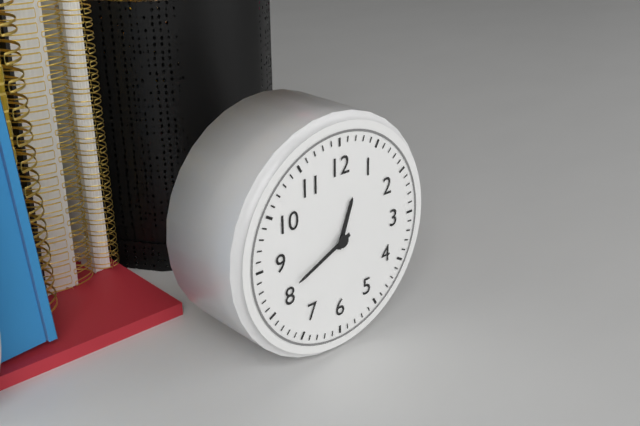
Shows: 12:41
